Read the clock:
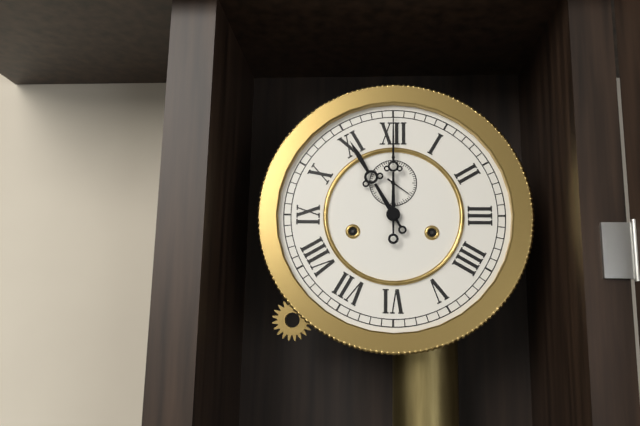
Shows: 11:00
